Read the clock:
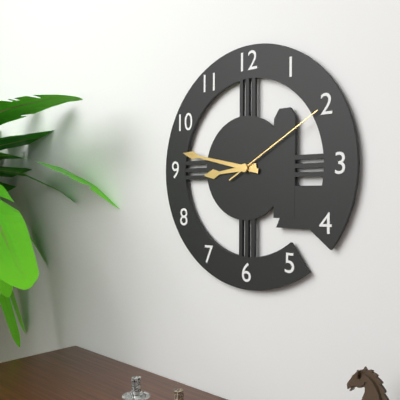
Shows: 8:47:10
